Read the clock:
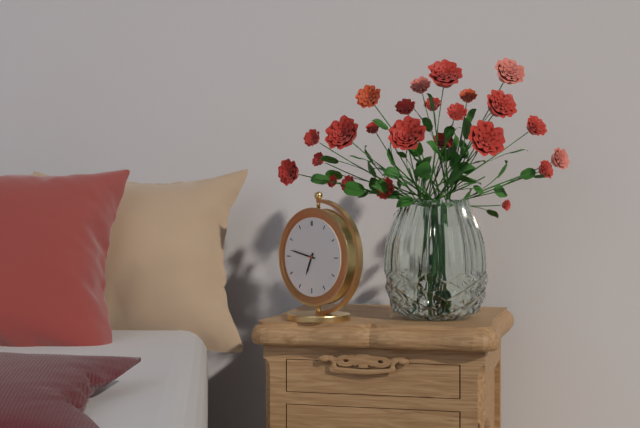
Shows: 6:47
